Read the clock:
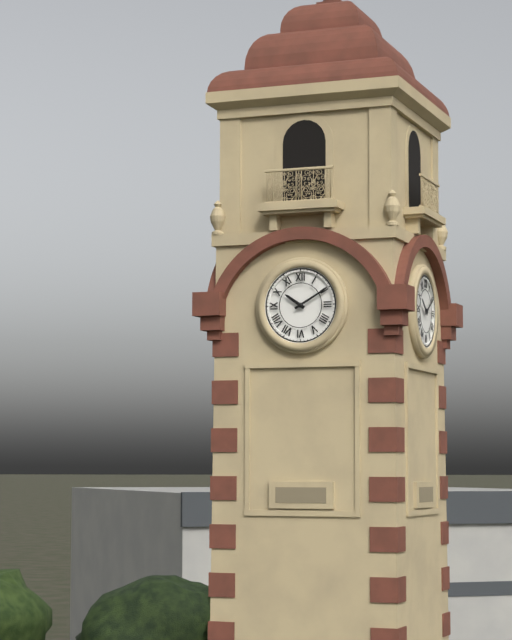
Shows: 10:10
